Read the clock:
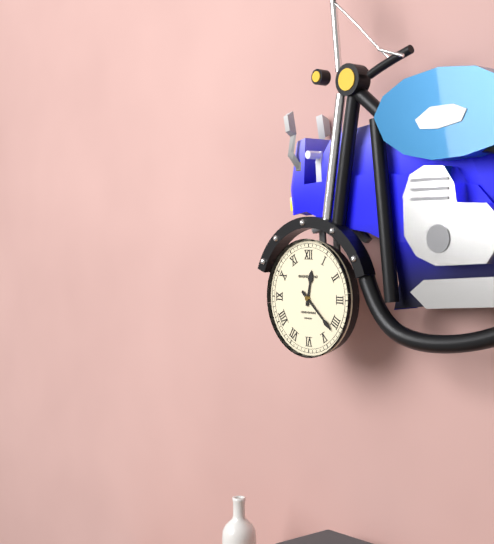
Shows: 12:22
